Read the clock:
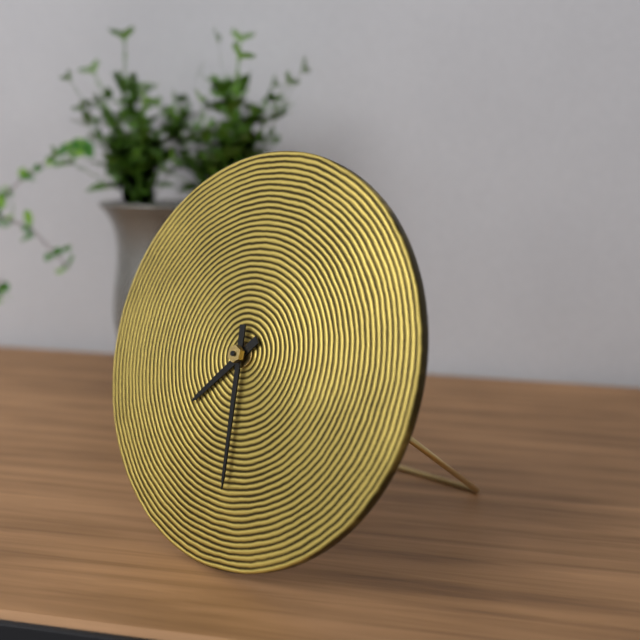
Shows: 7:29
